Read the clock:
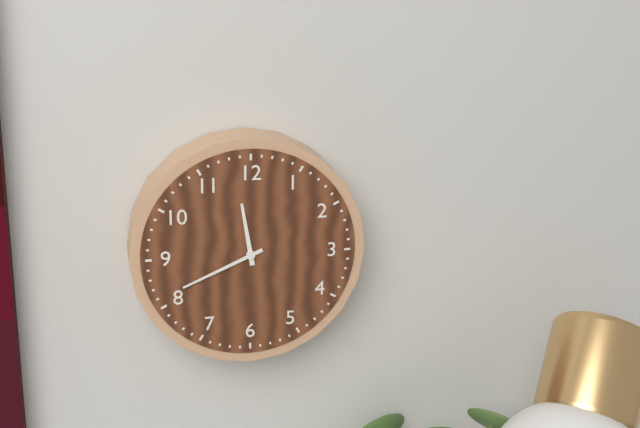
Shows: 11:41
